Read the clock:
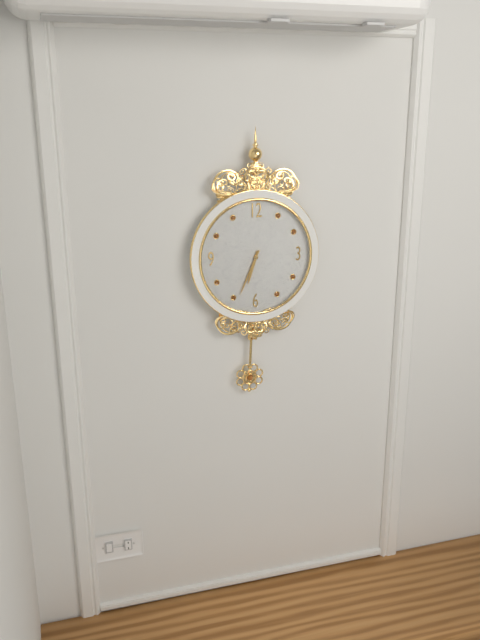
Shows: 6:34
